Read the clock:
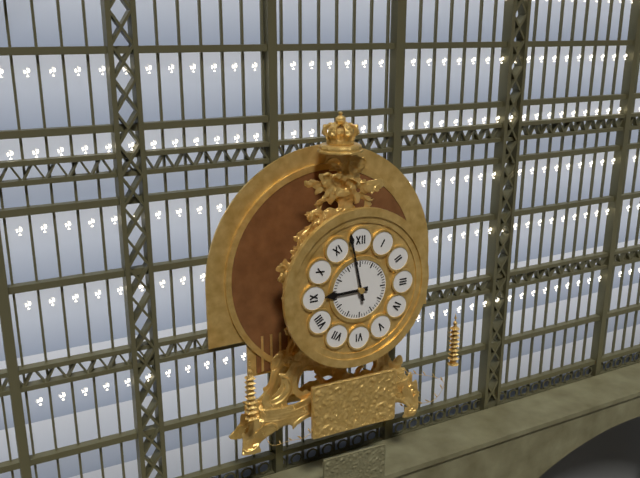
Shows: 8:58
